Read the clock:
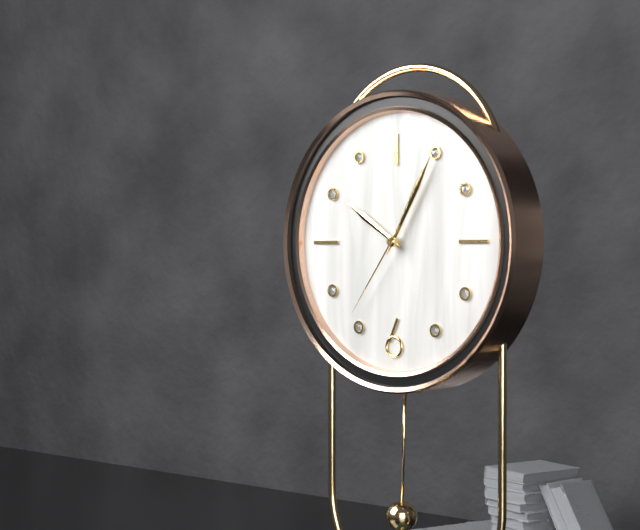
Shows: 10:05:36
